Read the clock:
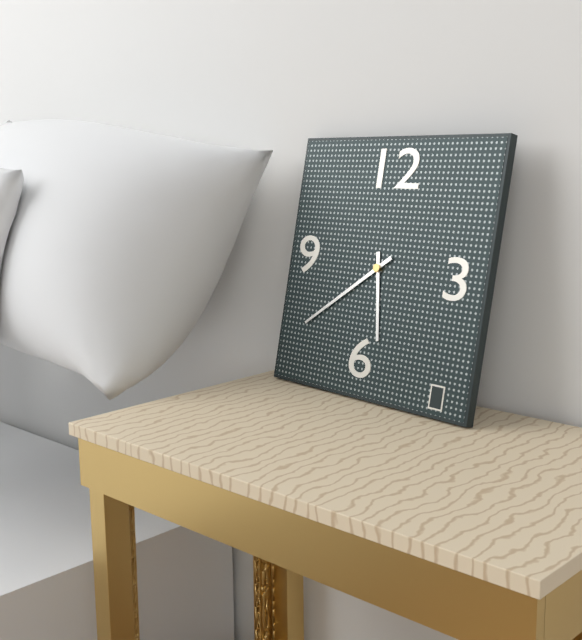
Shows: 5:39
